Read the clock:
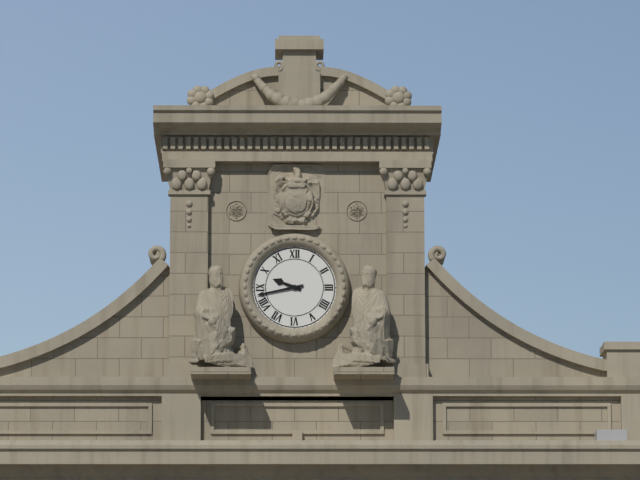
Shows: 9:43
